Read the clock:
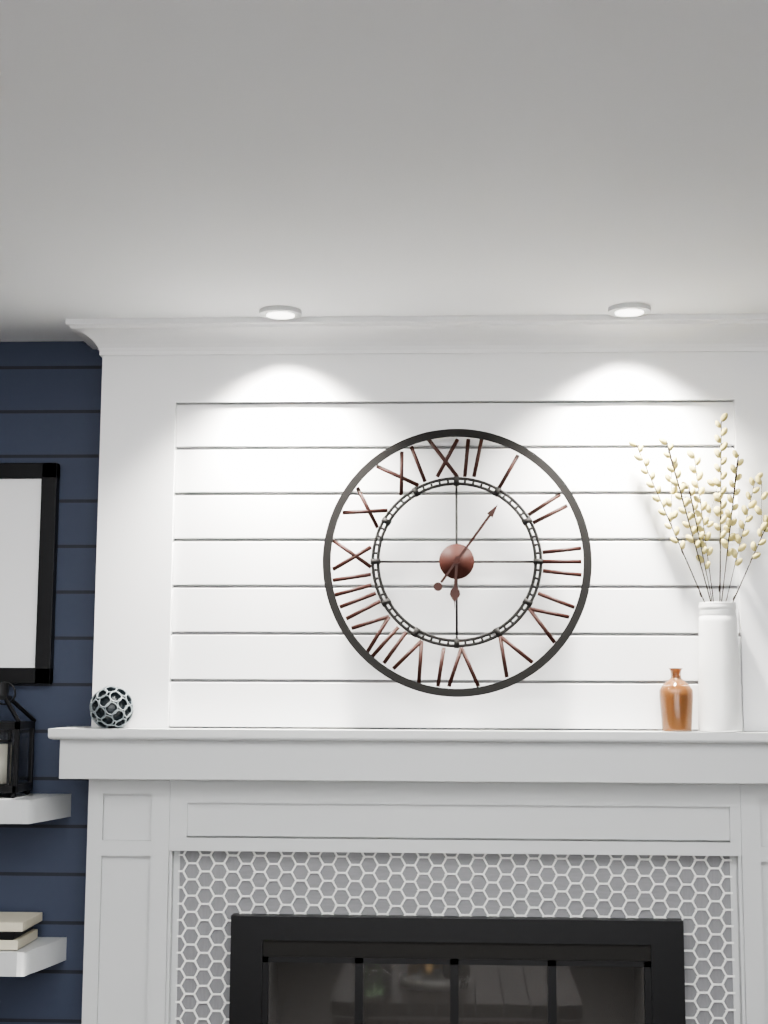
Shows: 6:06
